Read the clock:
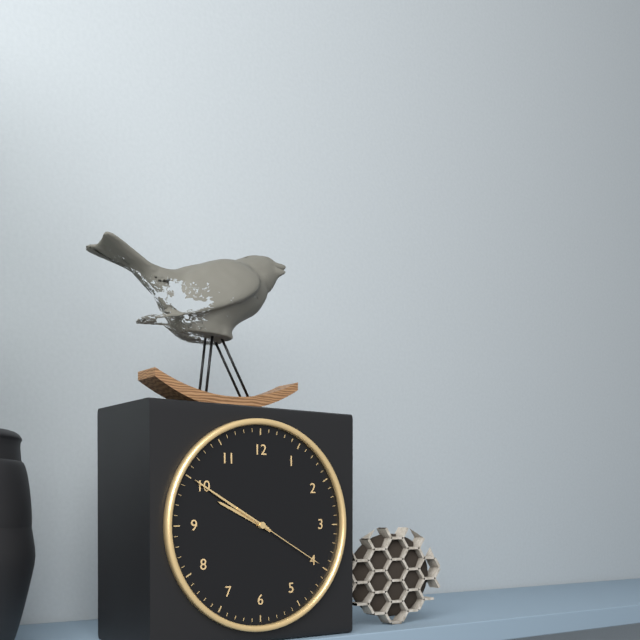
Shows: 9:50:20
